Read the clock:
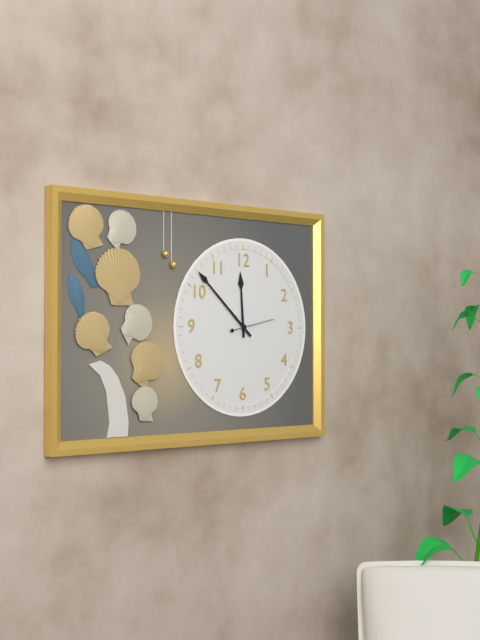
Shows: 11:52
